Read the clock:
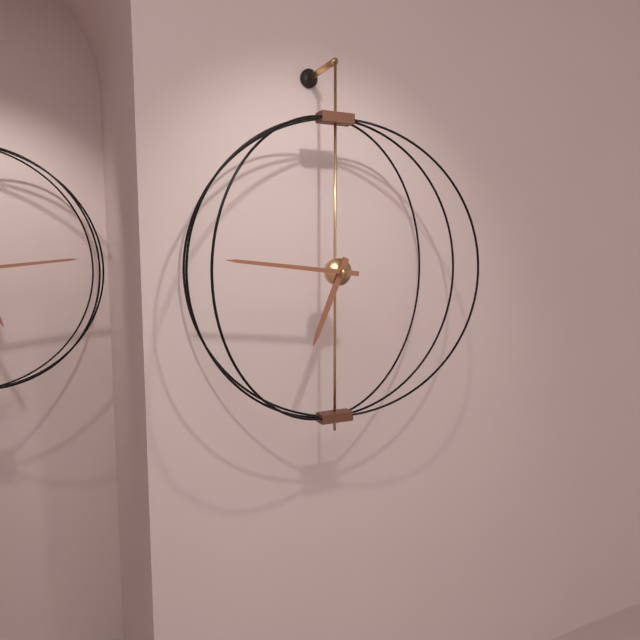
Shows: 6:46
